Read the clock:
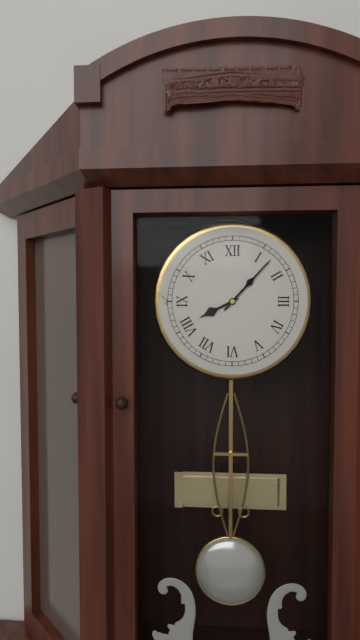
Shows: 8:07
